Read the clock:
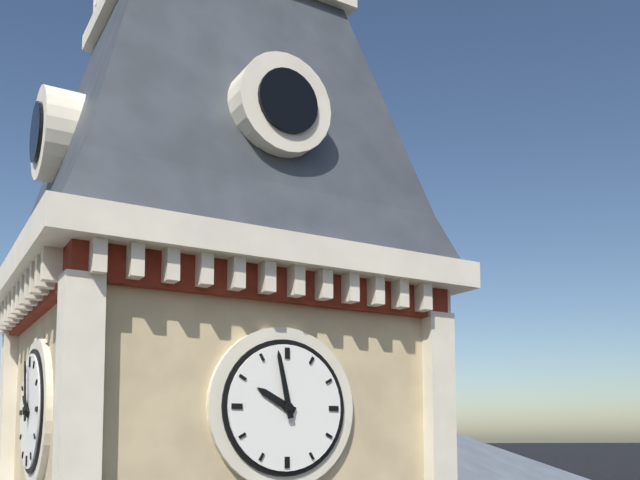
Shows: 9:58
